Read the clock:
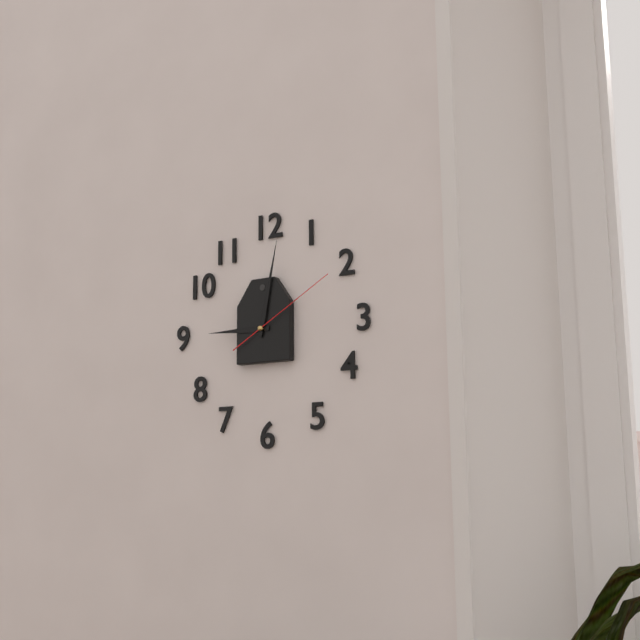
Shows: 9:02:10
